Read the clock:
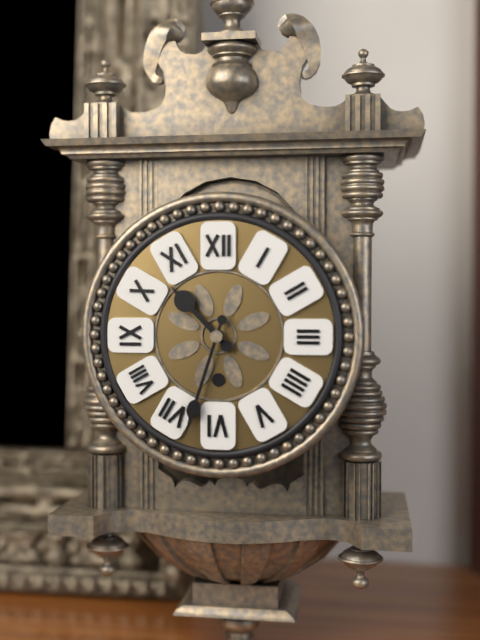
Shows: 10:33
